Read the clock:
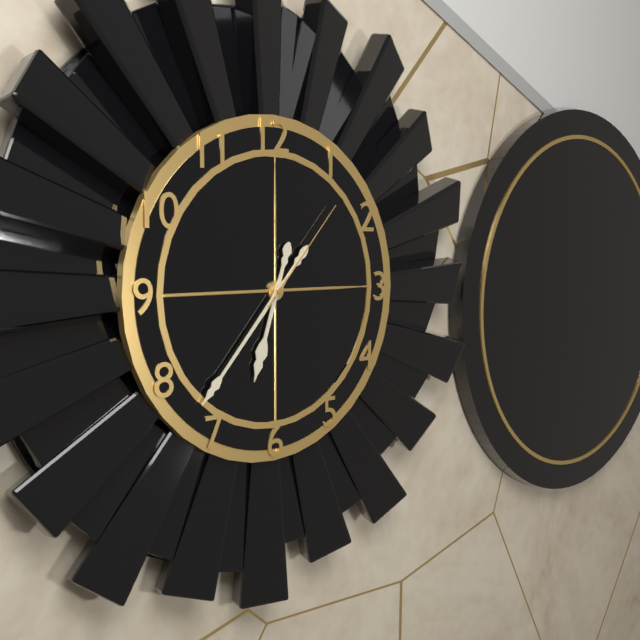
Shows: 6:37:07
